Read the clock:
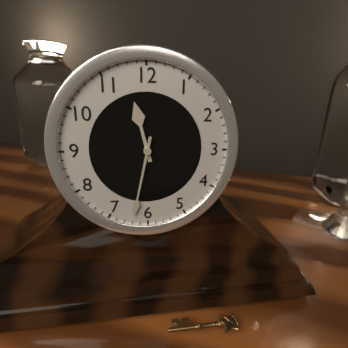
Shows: 11:32
